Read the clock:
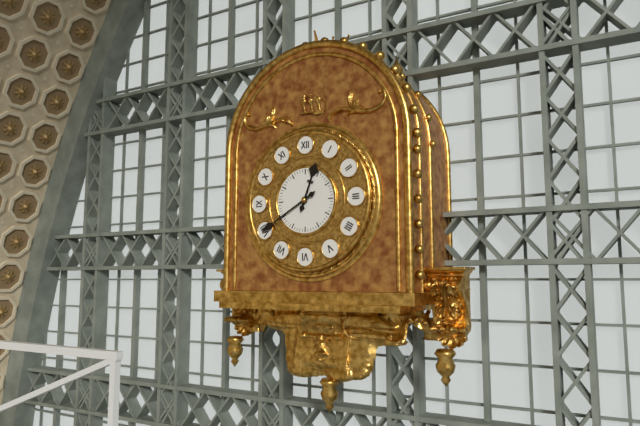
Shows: 12:40
